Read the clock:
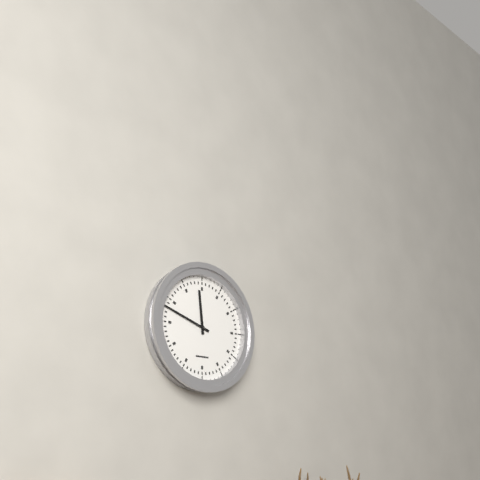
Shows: 11:48
